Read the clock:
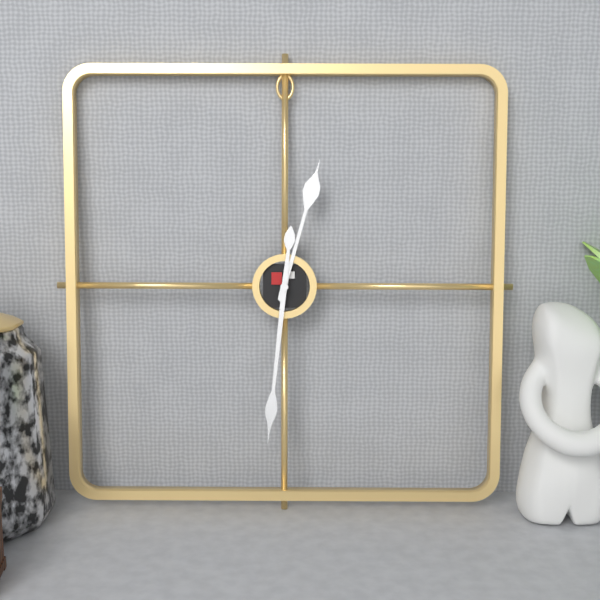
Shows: 12:31
